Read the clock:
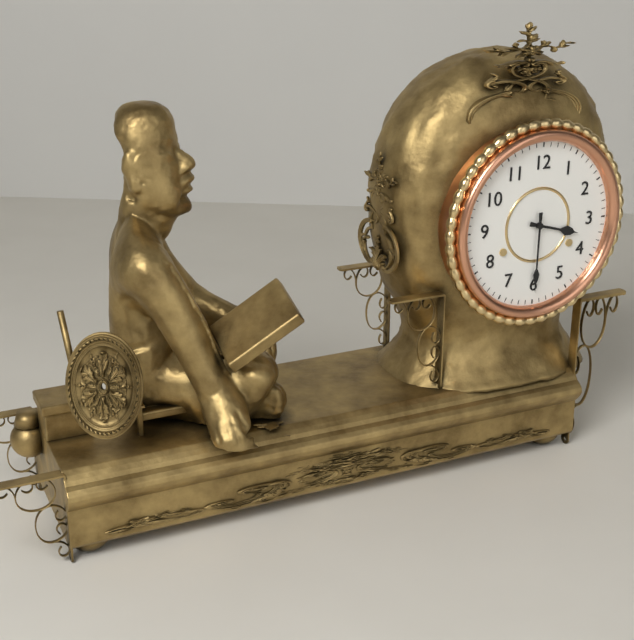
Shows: 3:30
